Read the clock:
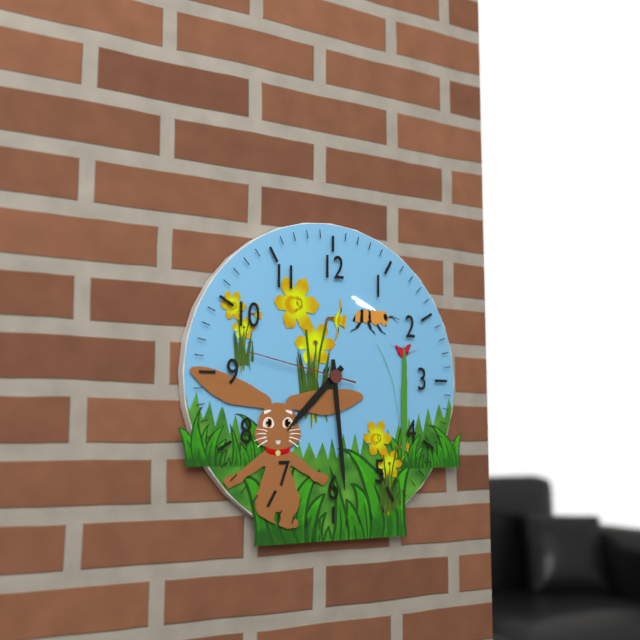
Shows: 7:29:47
